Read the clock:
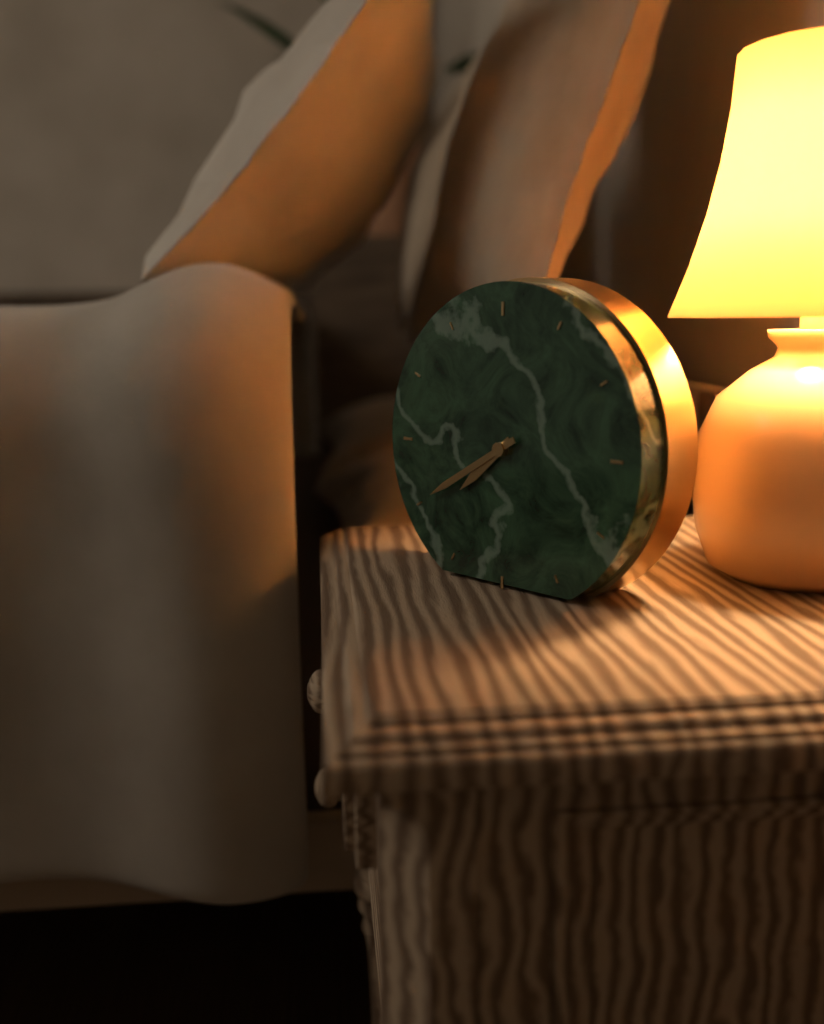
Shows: 7:40
